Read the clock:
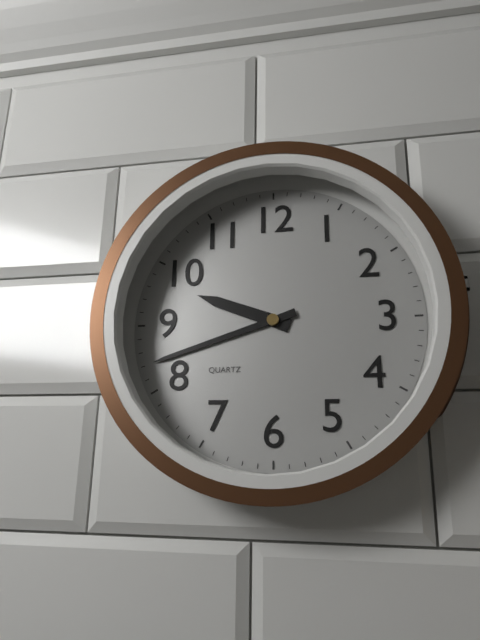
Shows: 9:42
